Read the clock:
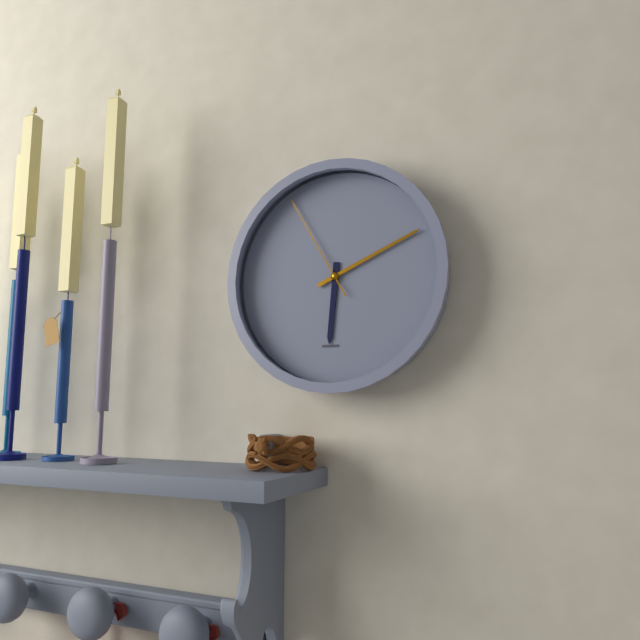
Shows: 6:11:55
